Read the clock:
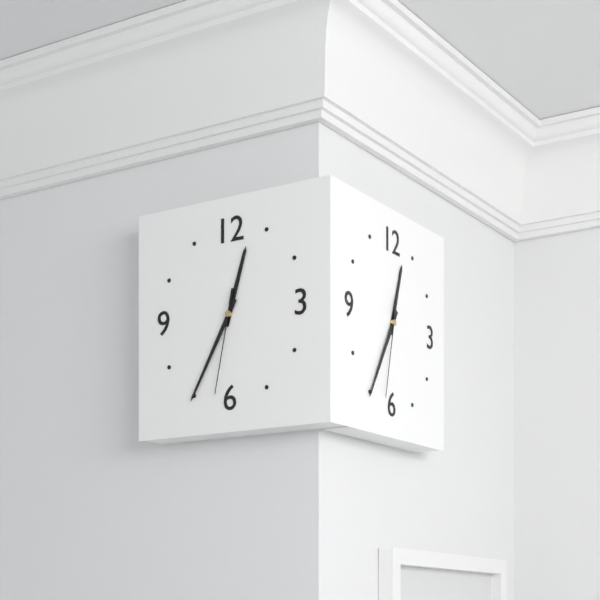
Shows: 12:35:32
